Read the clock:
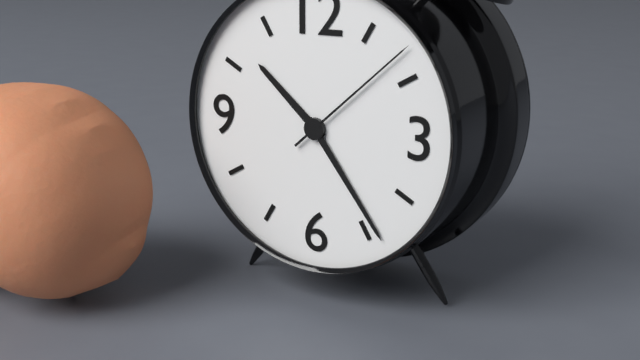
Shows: 10:24:08
